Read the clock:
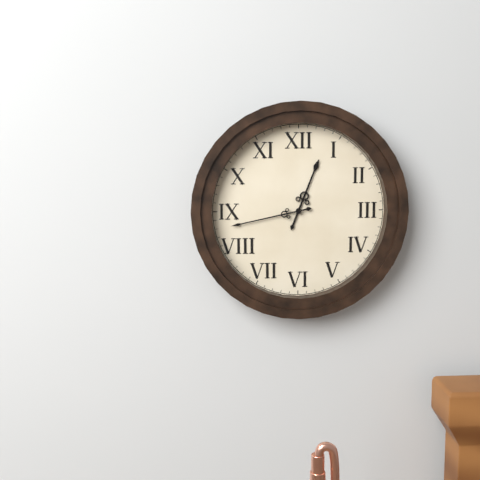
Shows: 12:43
